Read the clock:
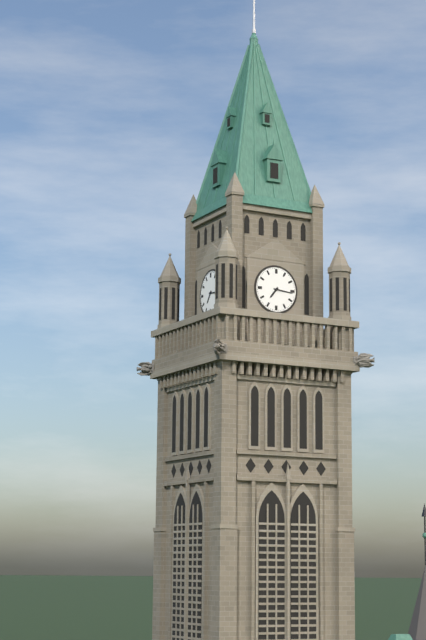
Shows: 7:16
